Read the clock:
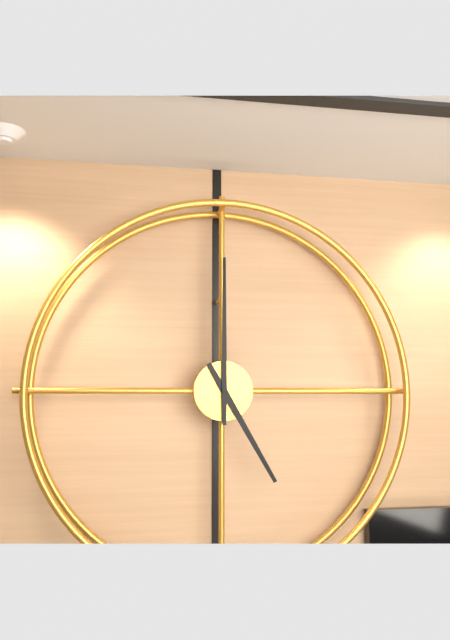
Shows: 5:00
